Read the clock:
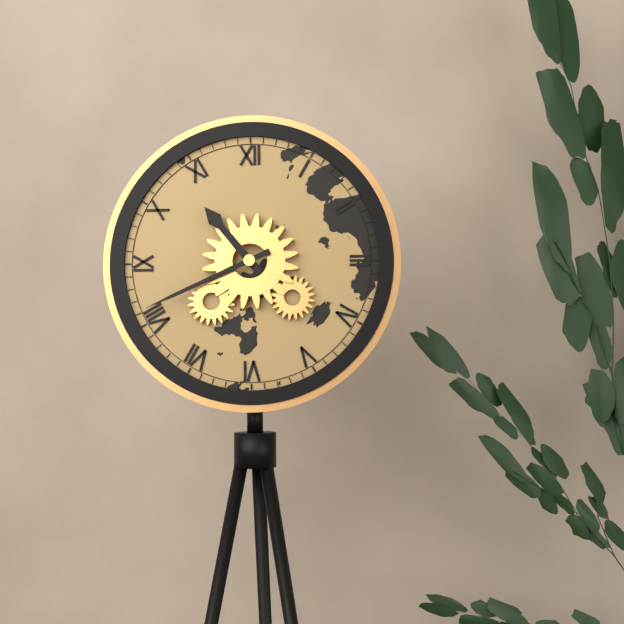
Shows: 10:41
